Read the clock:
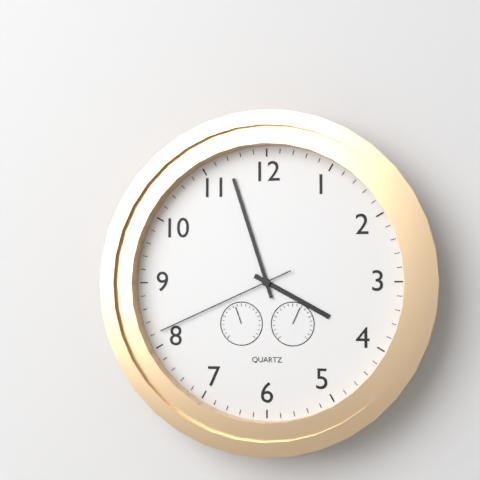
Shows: 3:57:41
